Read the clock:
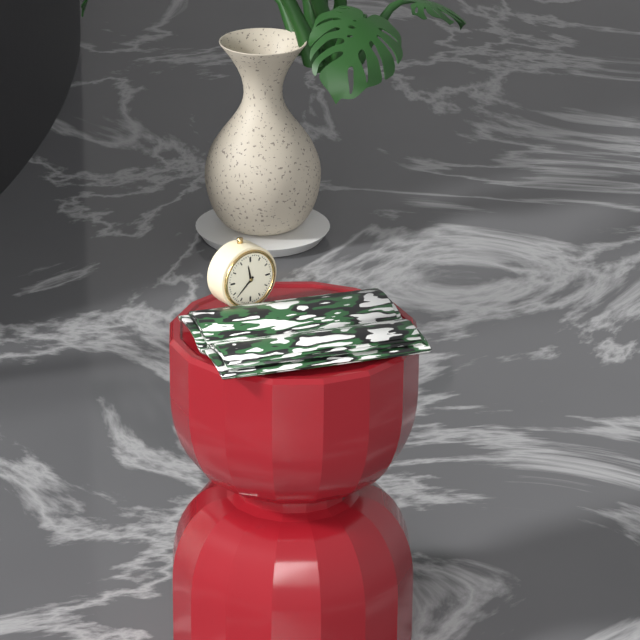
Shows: 11:38
